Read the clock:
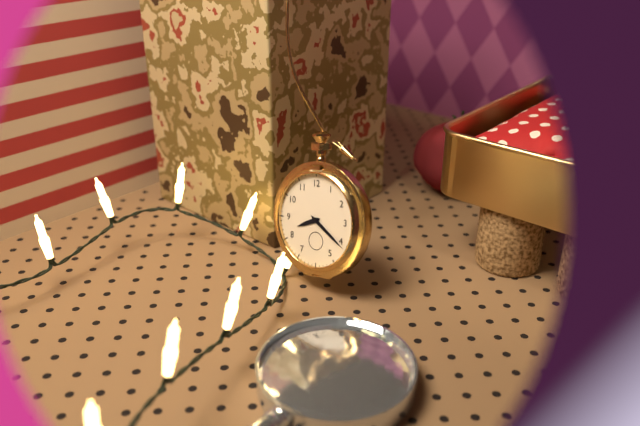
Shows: 8:21
